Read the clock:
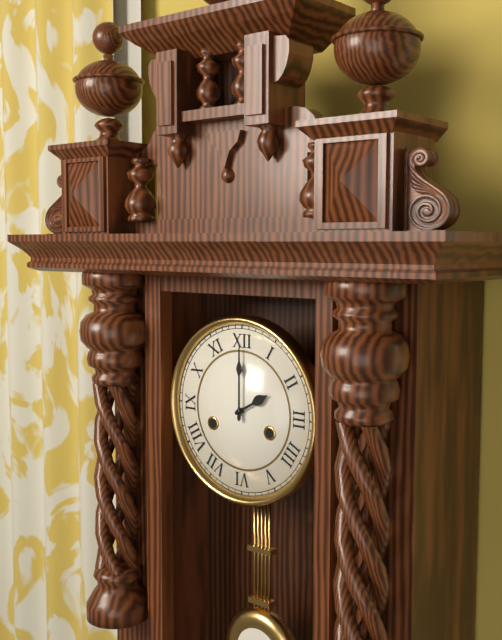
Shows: 2:00
